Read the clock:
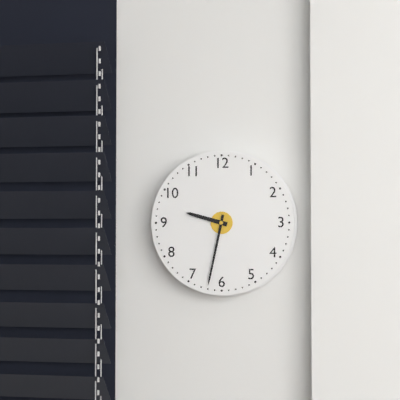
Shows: 9:32
